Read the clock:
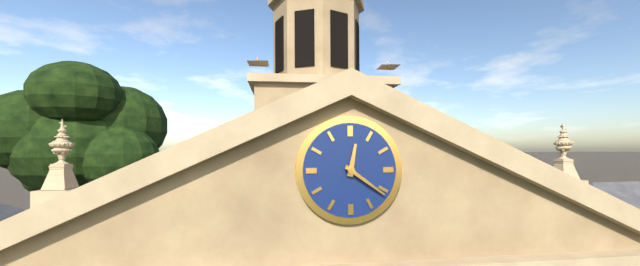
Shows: 12:21
